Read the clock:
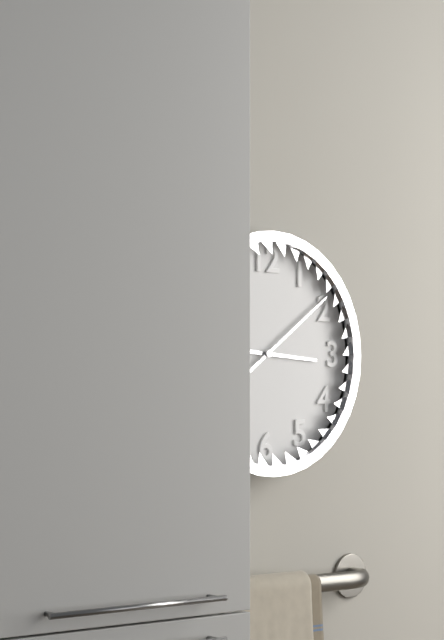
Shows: 3:09
